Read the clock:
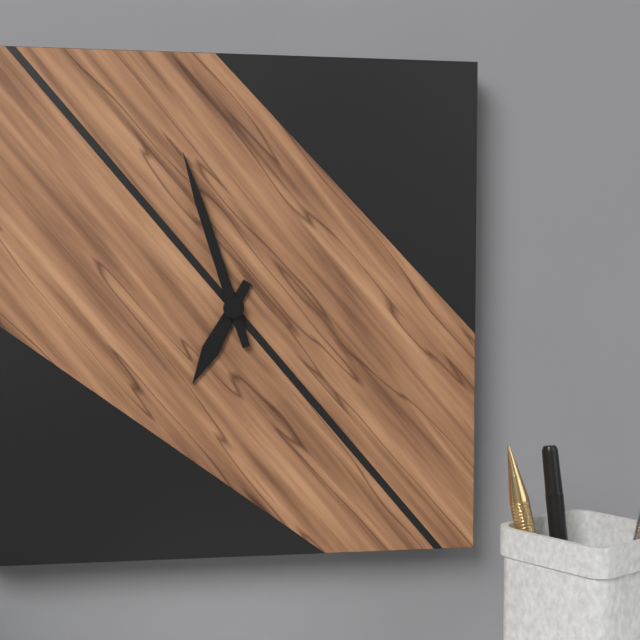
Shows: 6:57
